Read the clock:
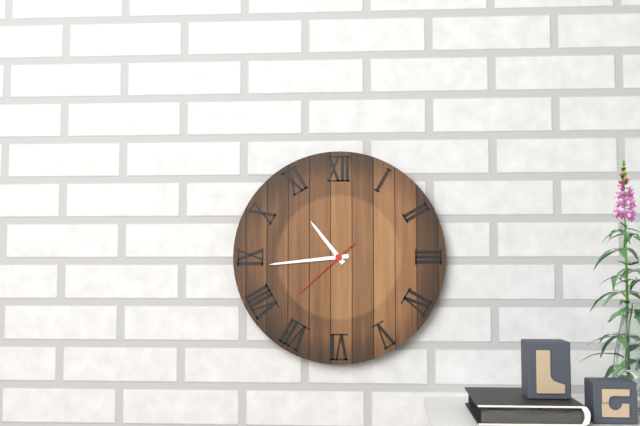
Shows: 10:44:38
